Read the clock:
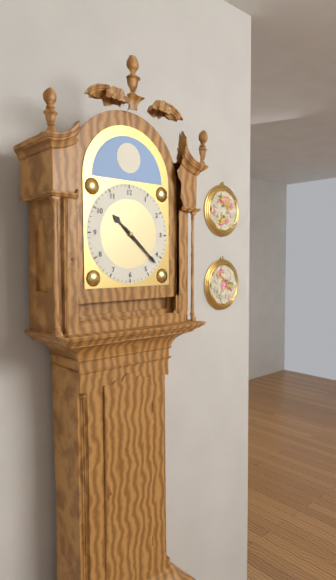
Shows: 10:22
